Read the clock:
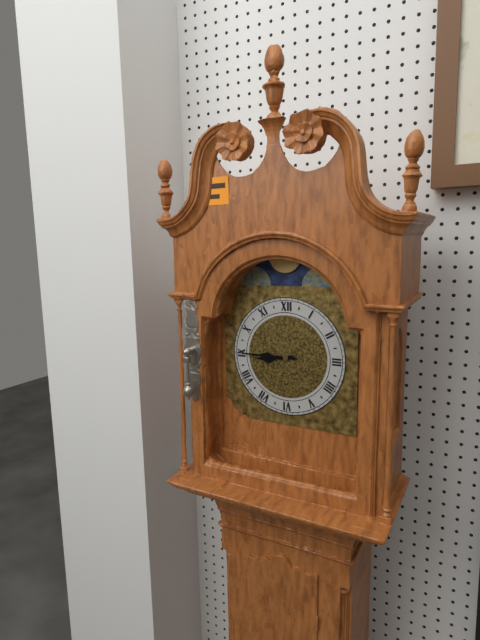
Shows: 8:45
